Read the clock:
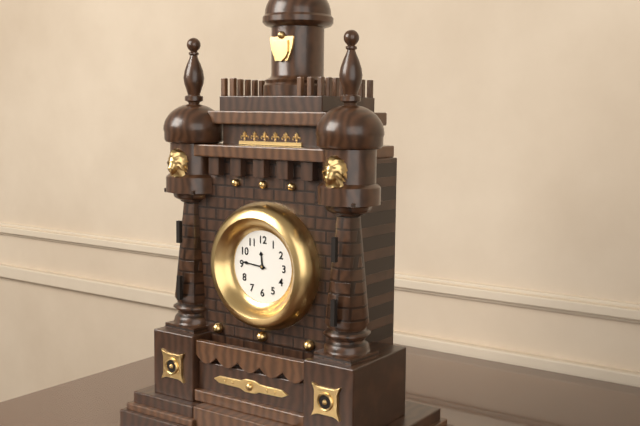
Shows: 11:46
